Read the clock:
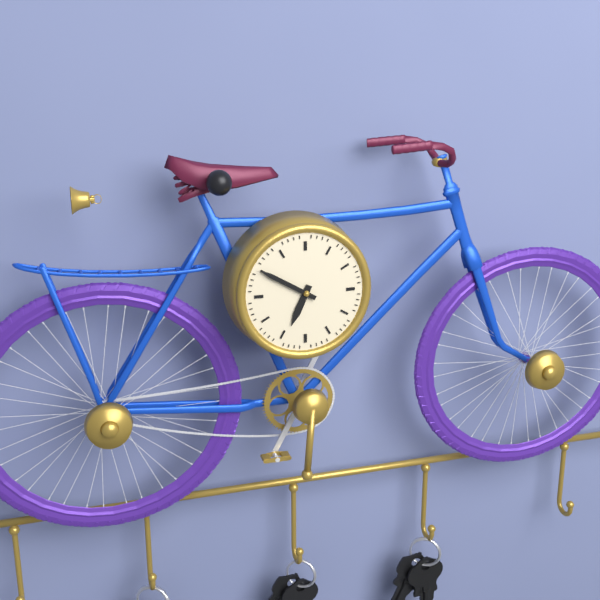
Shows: 6:50
